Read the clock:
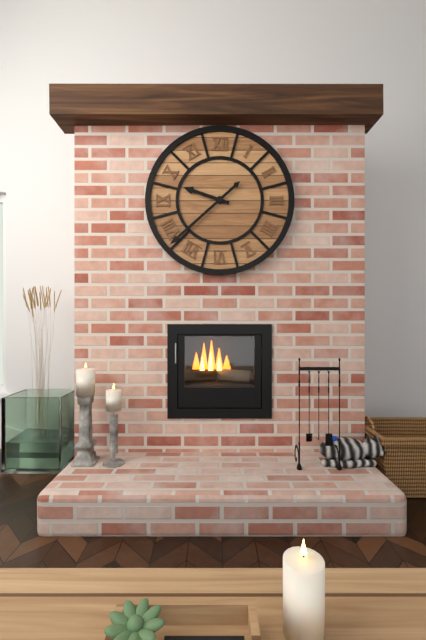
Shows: 9:38
